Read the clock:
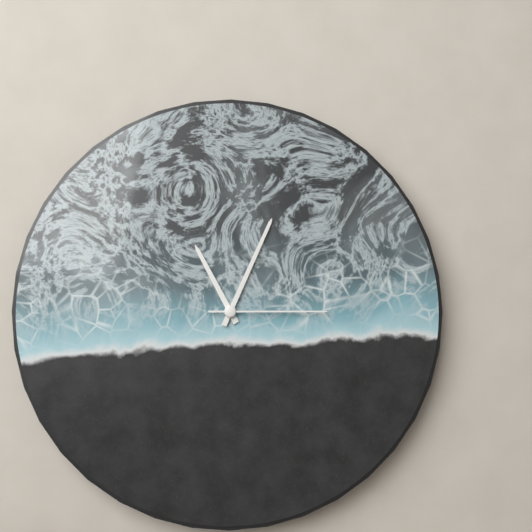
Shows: 11:04:15
